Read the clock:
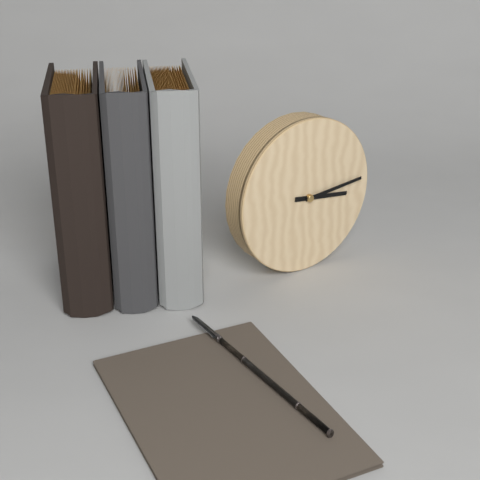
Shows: 3:14
